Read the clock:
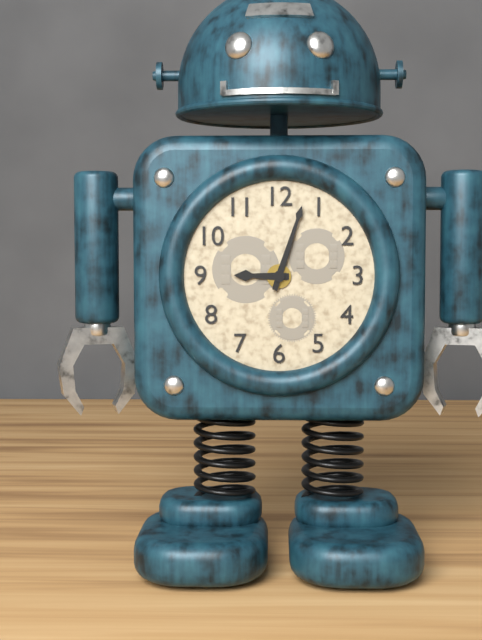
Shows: 9:03
